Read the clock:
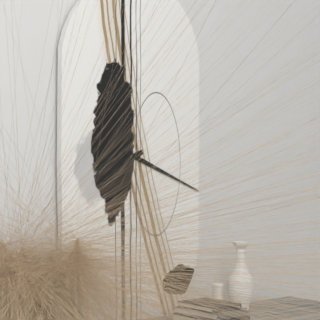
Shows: 8:19
